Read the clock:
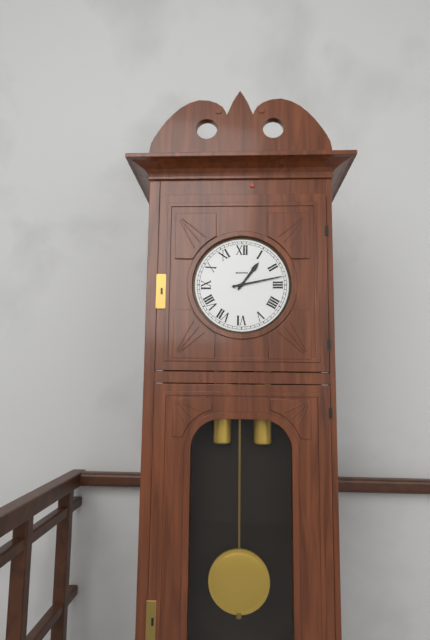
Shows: 1:13
